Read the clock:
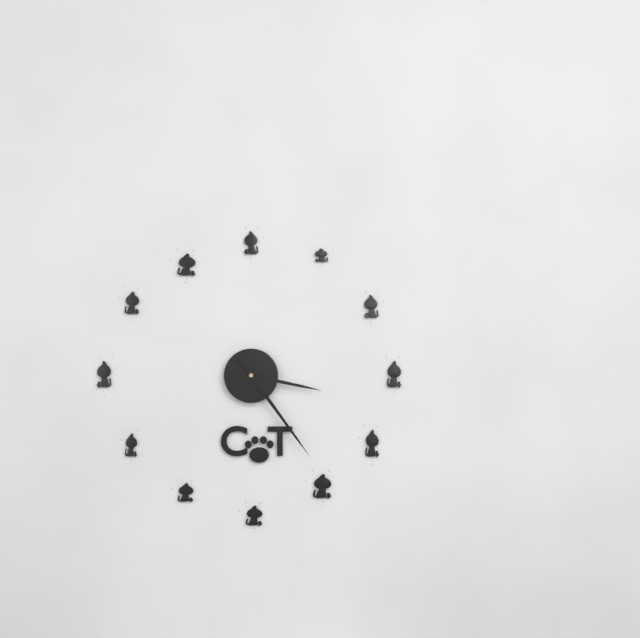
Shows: 3:24
